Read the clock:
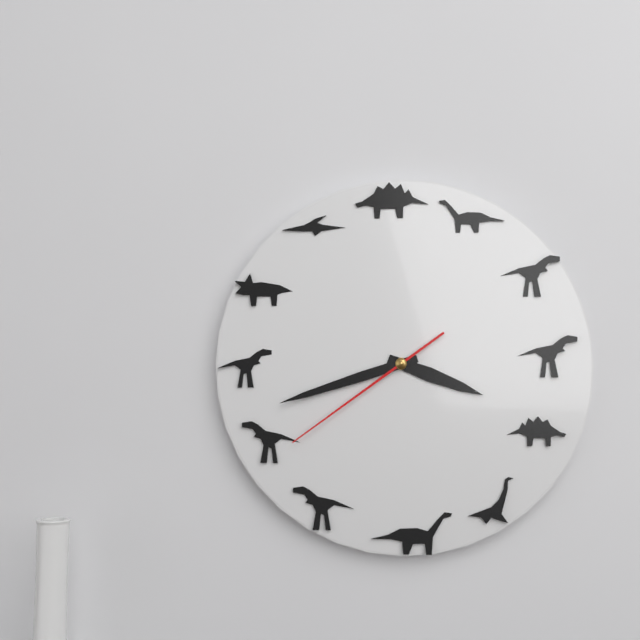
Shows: 3:42:39
